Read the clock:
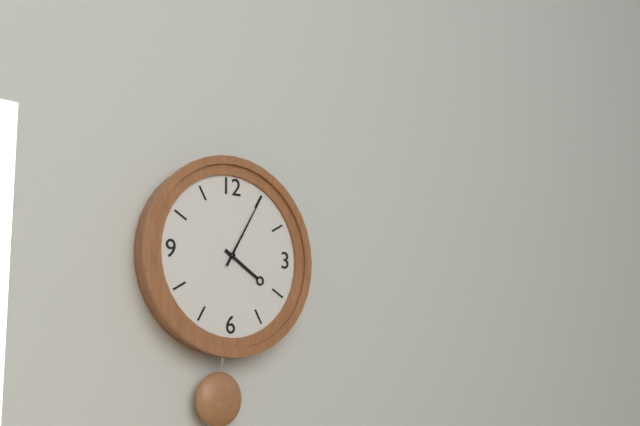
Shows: 4:05
